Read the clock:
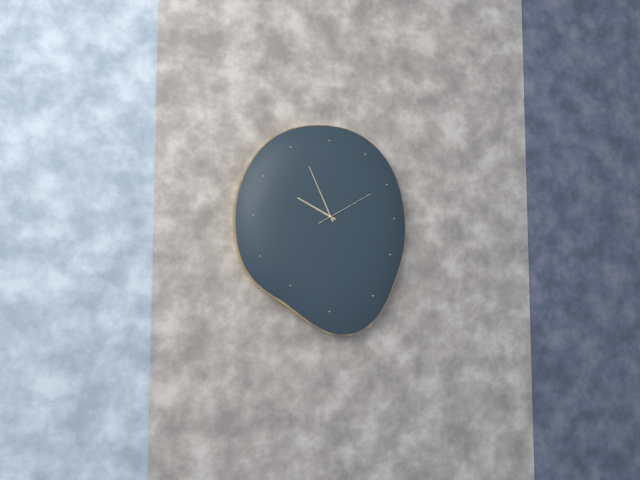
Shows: 9:56:10
